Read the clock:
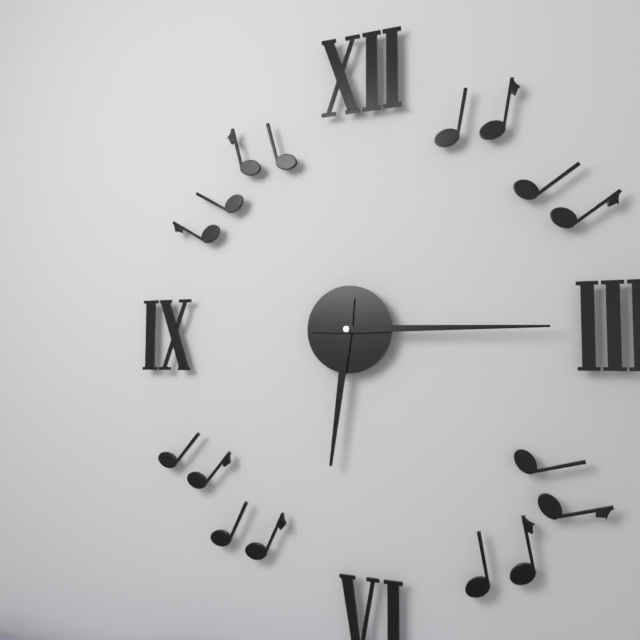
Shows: 6:15
